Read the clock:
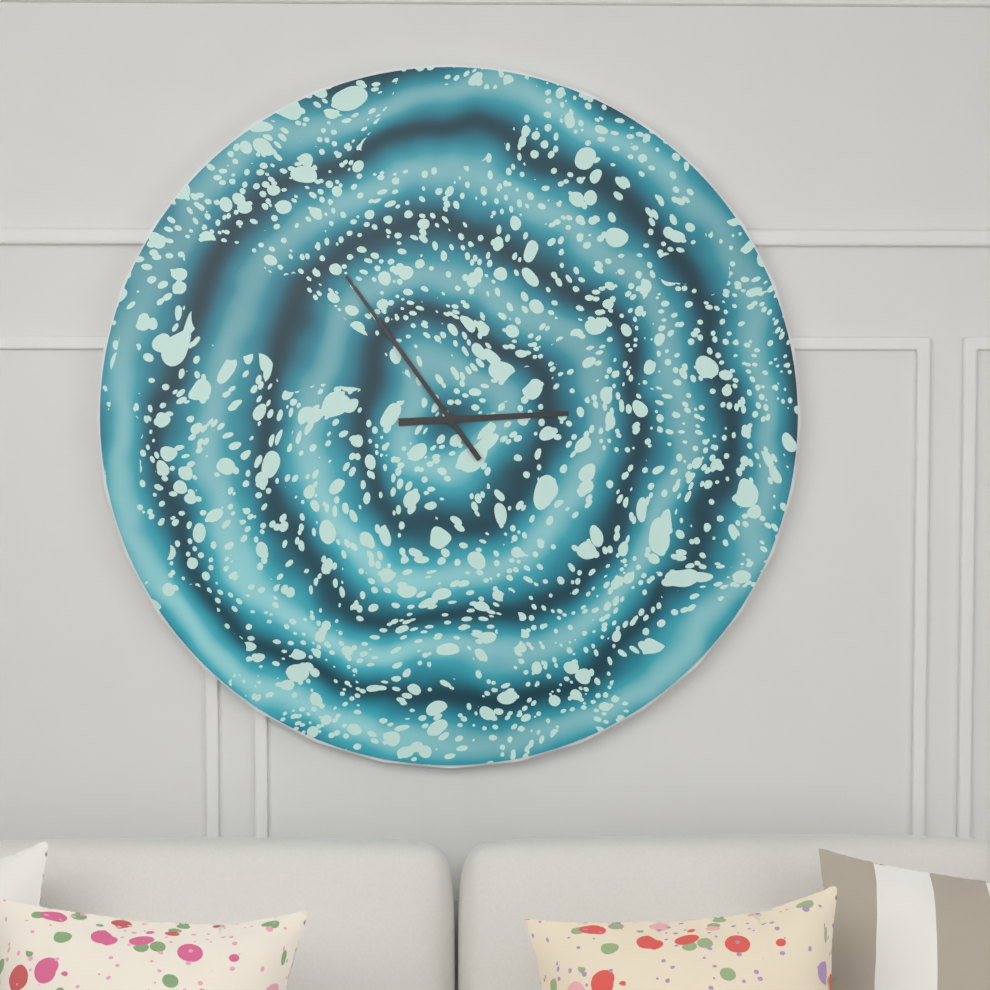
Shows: 2:54
